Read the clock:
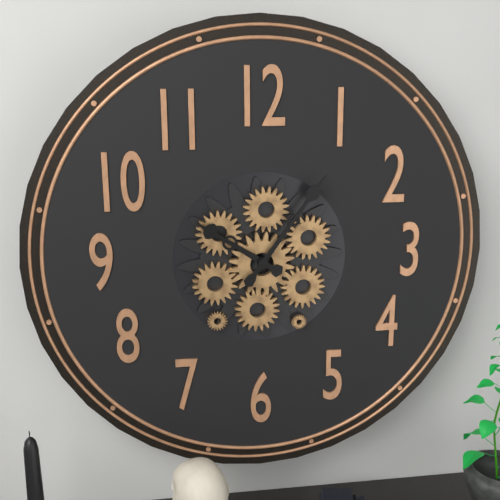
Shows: 10:06
